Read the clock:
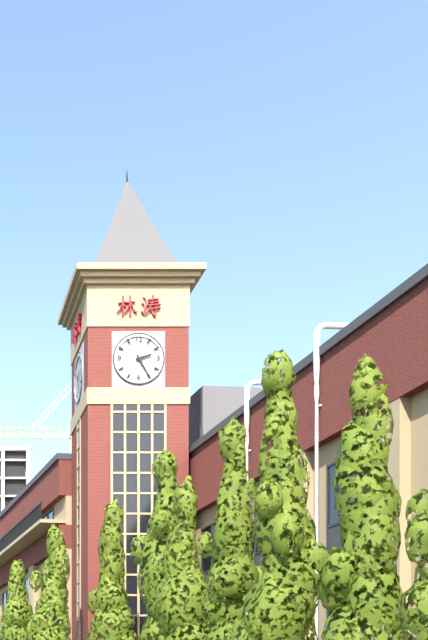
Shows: 2:25
